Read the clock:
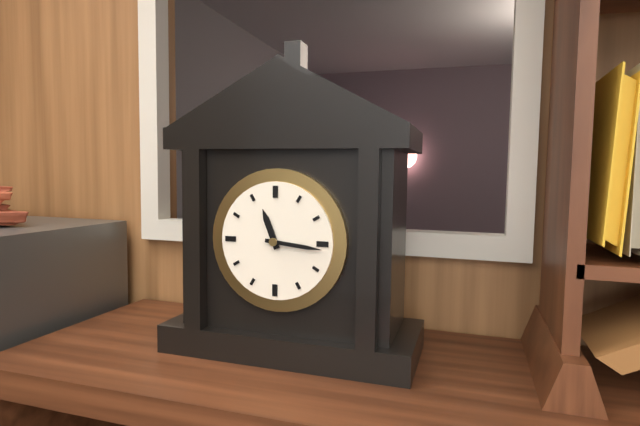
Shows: 11:16
